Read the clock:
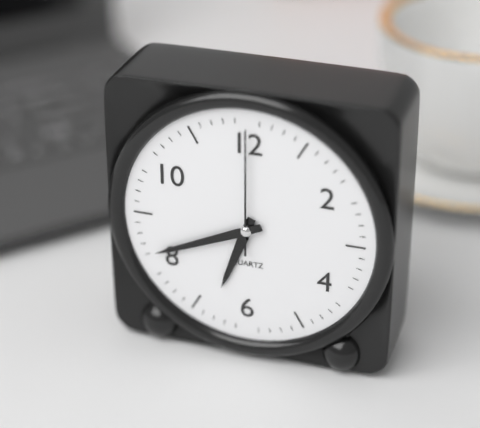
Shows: 6:41:00
